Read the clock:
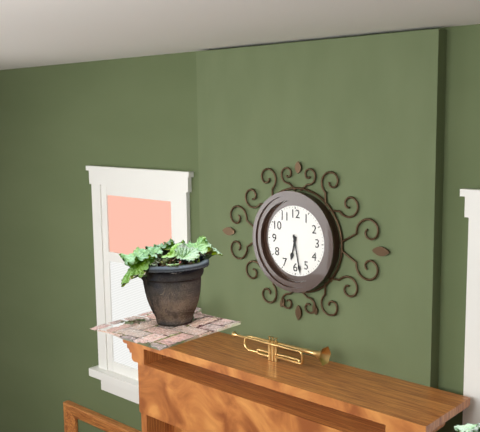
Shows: 6:28
